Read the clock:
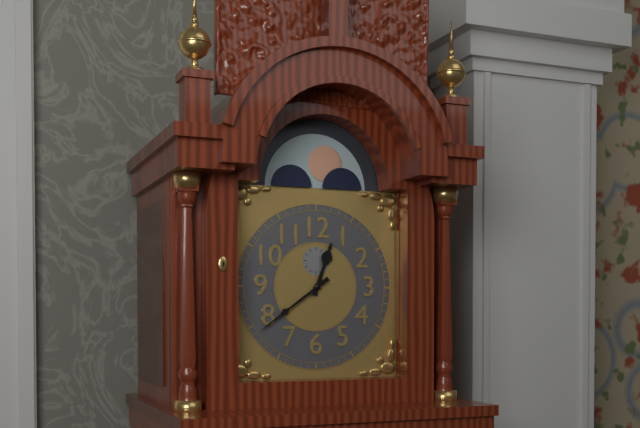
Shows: 12:39
